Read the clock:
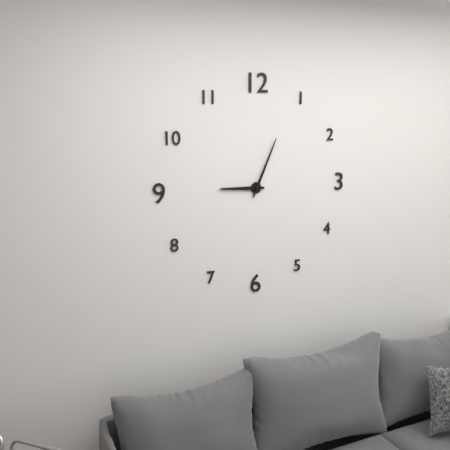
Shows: 9:04
